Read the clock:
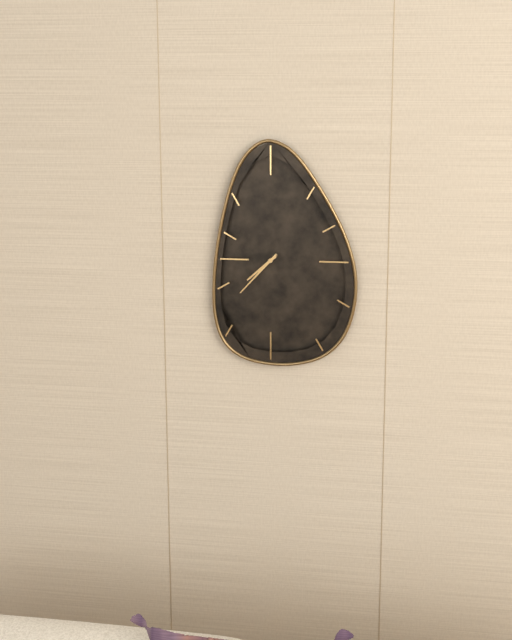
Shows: 7:37
